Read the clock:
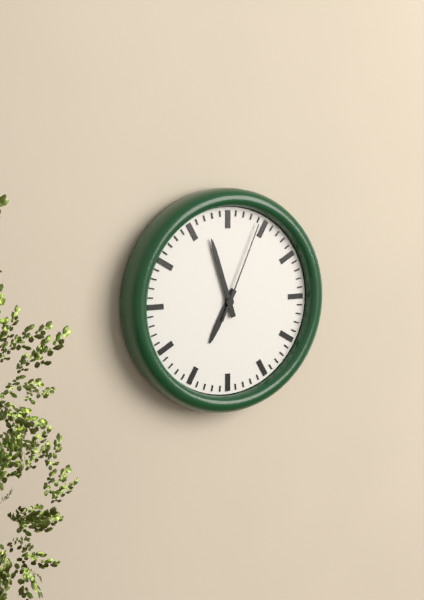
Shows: 6:57:04
